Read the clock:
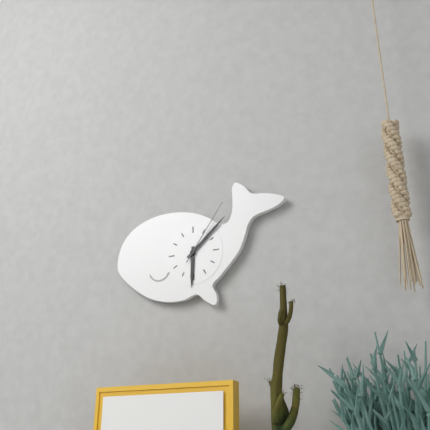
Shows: 6:08:06
